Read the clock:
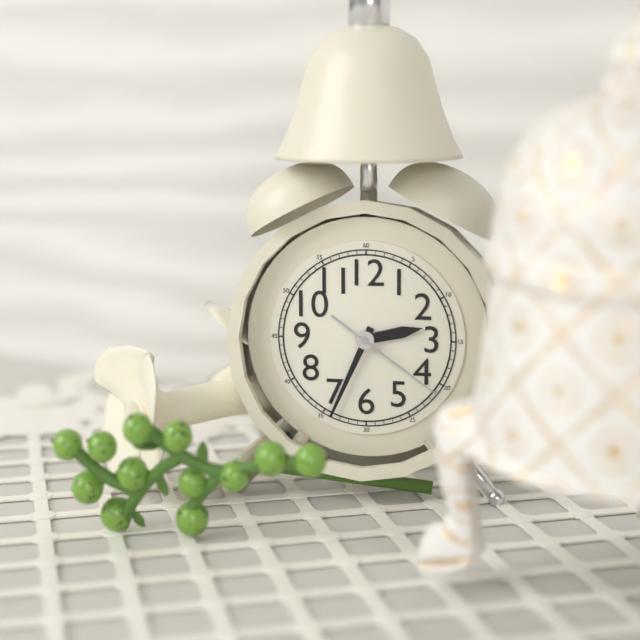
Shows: 2:34:21
